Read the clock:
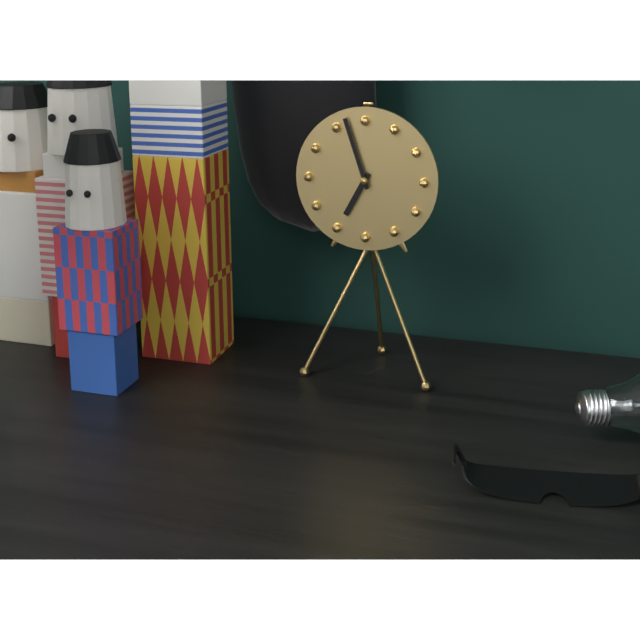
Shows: 6:57
